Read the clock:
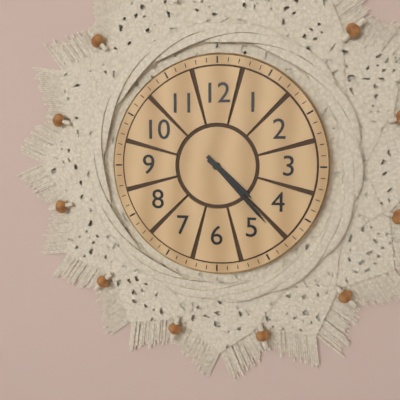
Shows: 4:23
